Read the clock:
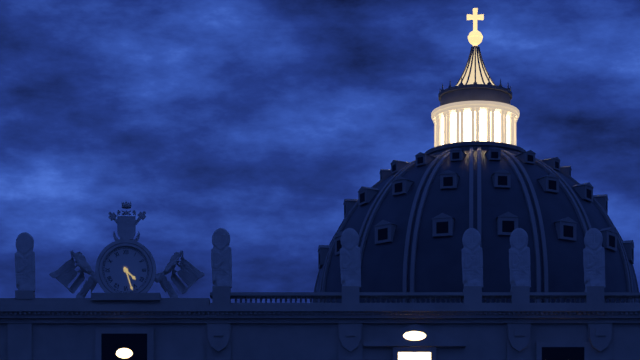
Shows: 4:27
